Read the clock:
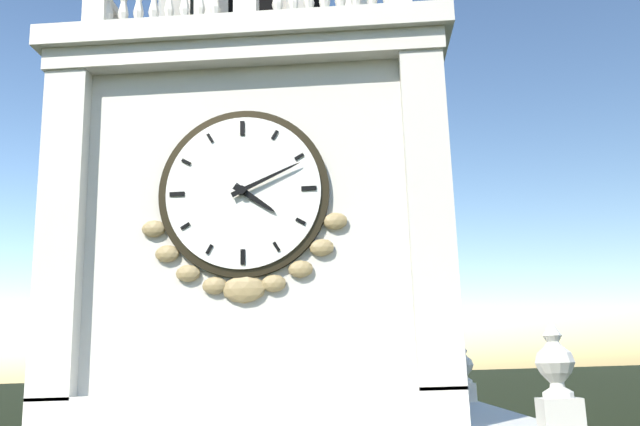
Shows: 4:11
